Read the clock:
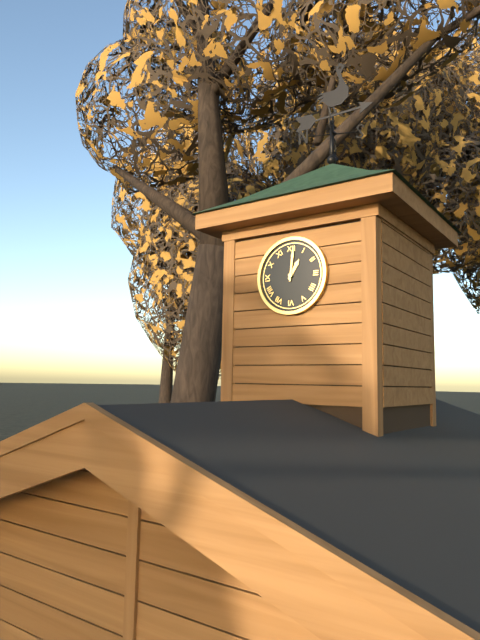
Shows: 1:01
